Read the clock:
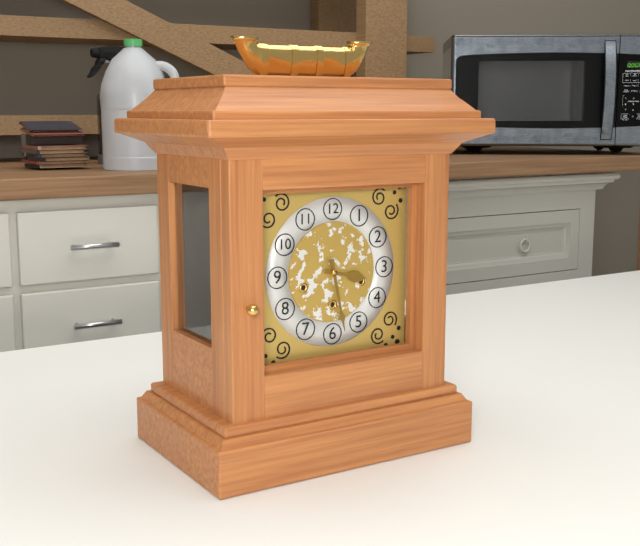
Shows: 3:28
